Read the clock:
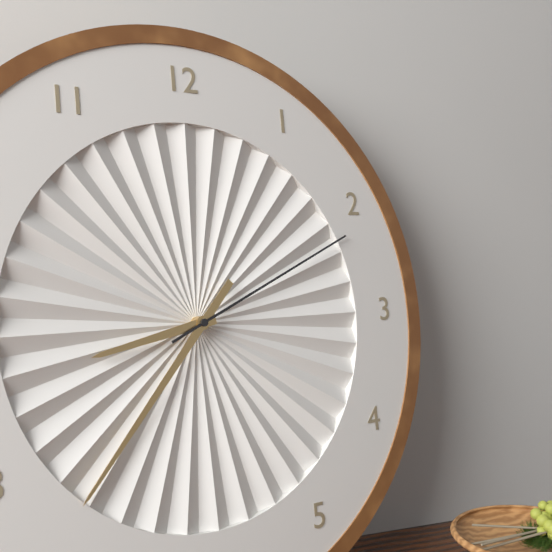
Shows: 8:37:11
